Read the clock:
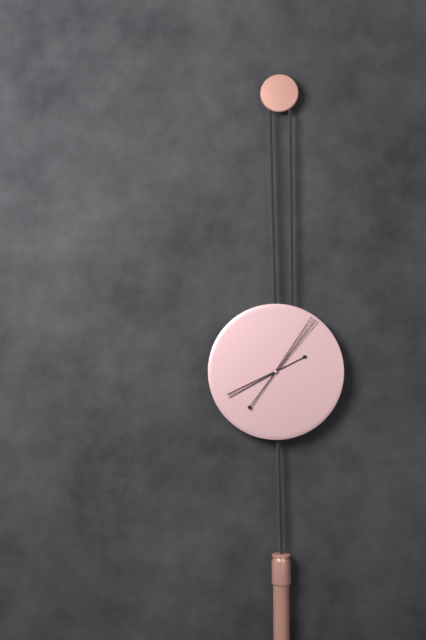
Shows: 8:06
